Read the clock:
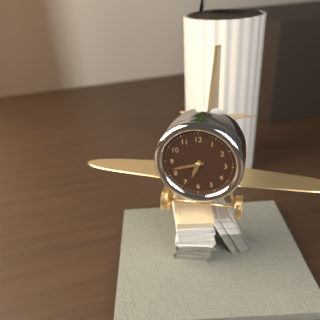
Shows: 6:42
